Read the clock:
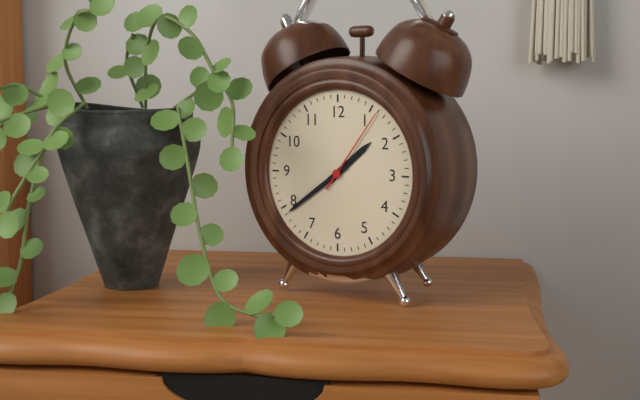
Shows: 1:39:06
